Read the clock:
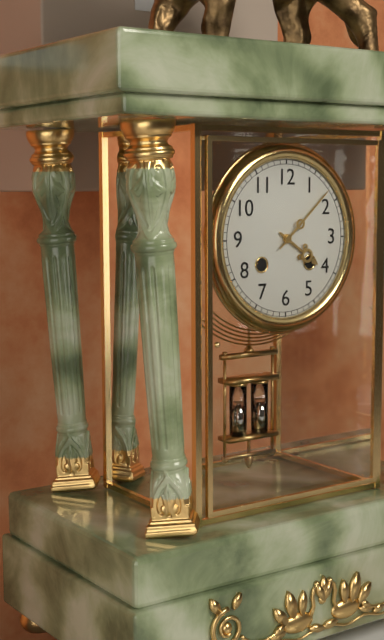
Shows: 4:08
